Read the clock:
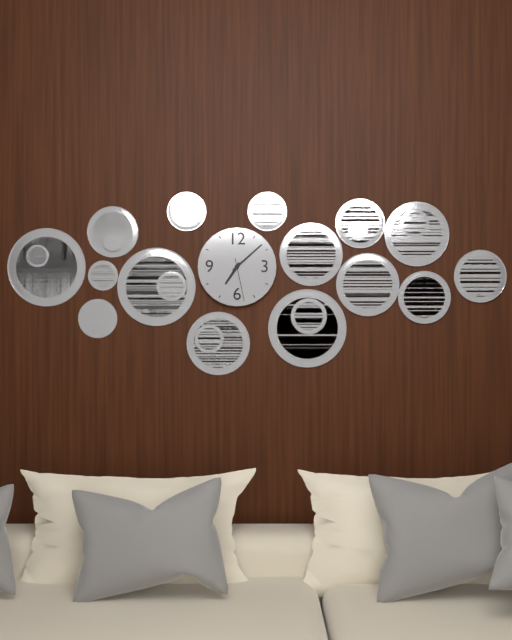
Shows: 7:08
